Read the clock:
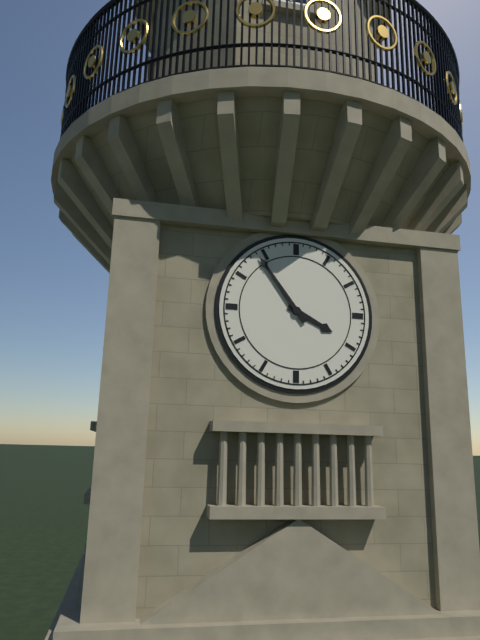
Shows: 3:54
